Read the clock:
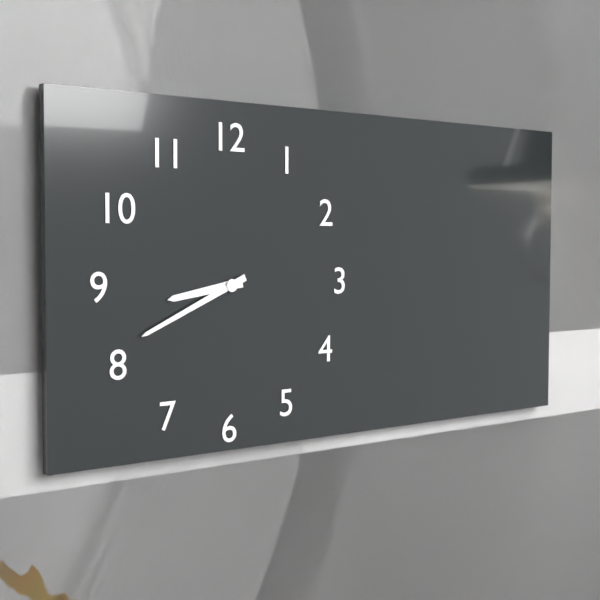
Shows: 8:41
